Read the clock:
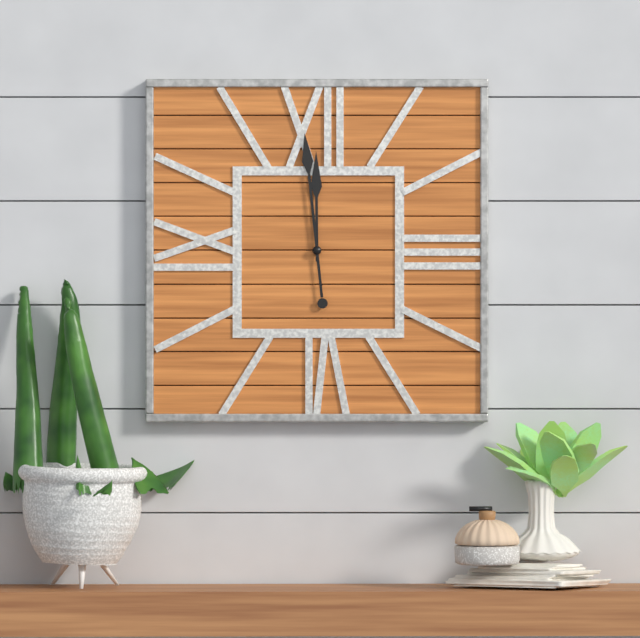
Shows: 11:59
